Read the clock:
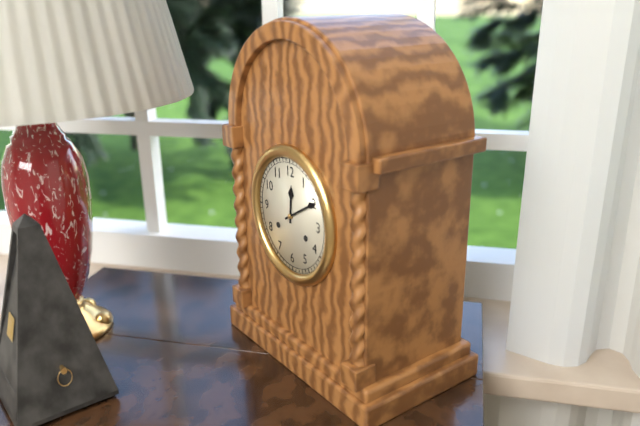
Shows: 12:10
